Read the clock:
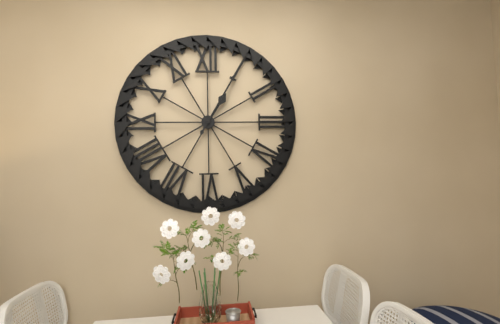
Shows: 1:05
